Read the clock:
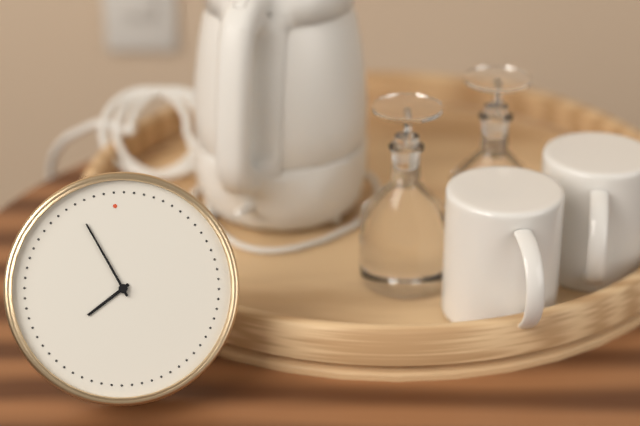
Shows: 7:56
